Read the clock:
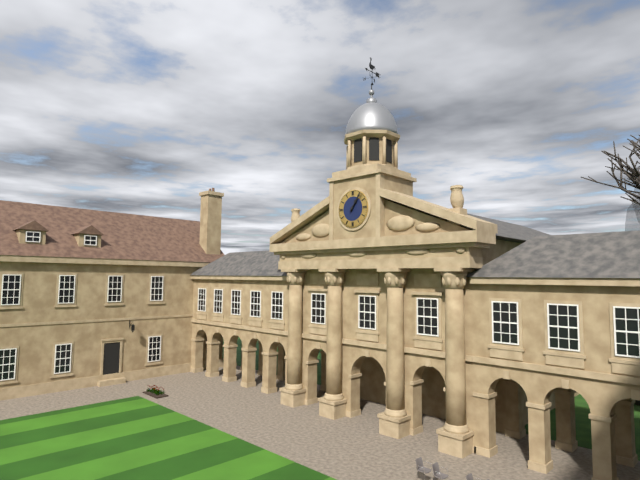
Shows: 1:06
